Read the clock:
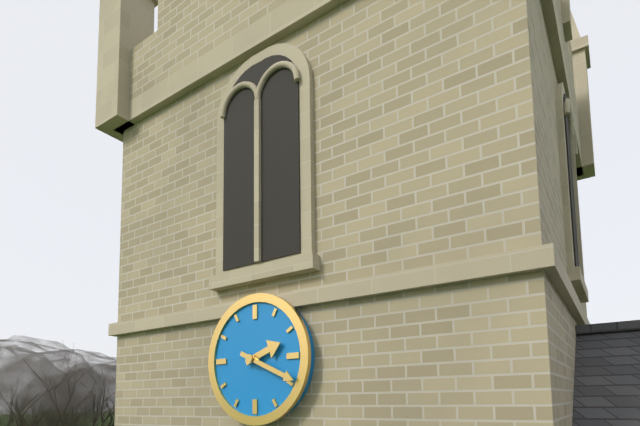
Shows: 2:19
